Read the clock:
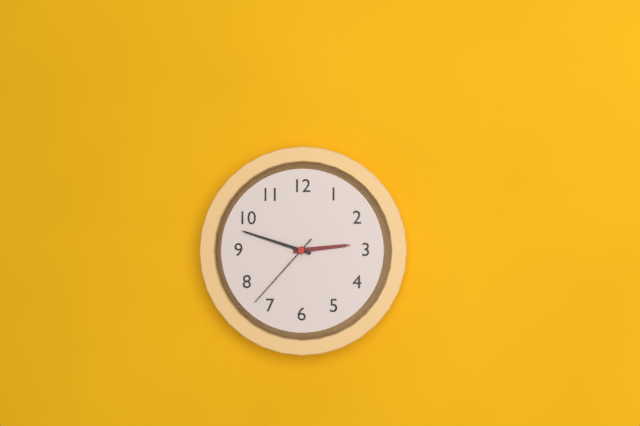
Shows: 2:48:37
